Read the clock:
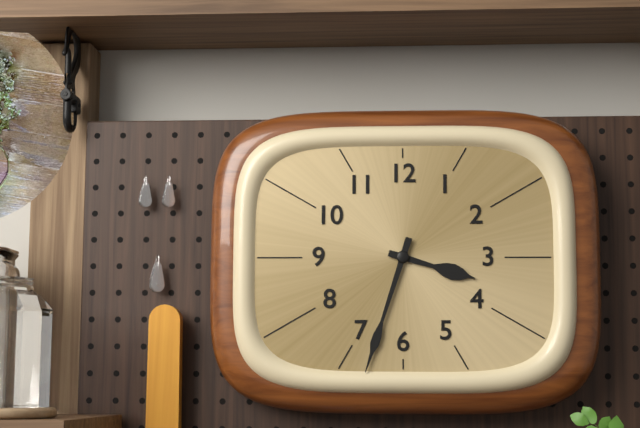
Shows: 3:33
